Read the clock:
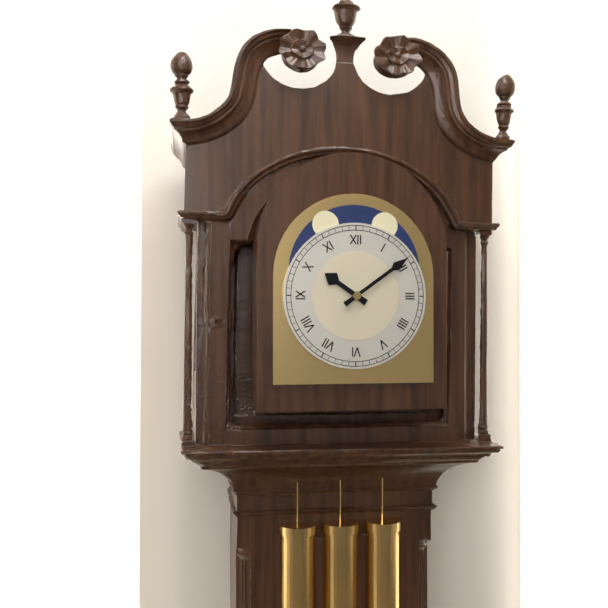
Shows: 10:09
